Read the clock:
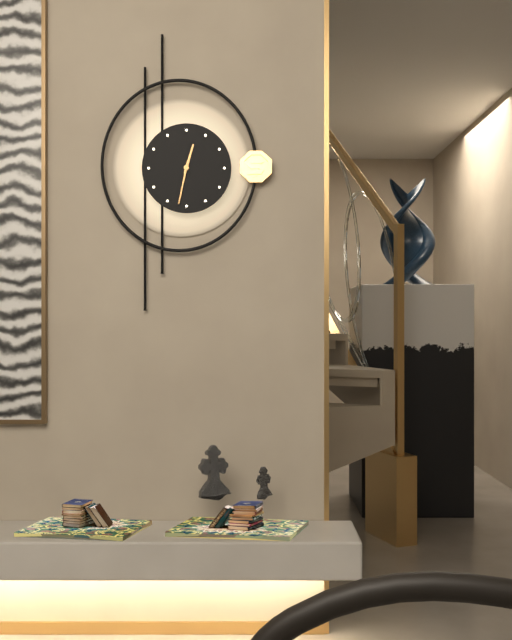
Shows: 12:32
